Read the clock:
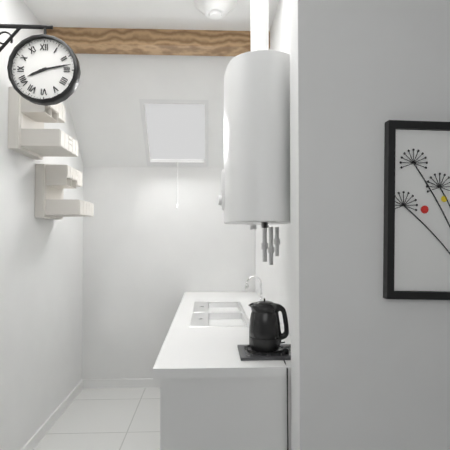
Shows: 8:13
